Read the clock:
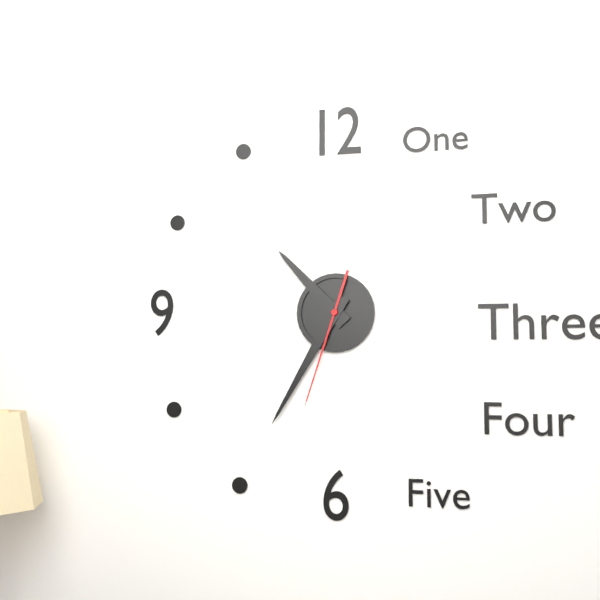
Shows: 10:35:33
